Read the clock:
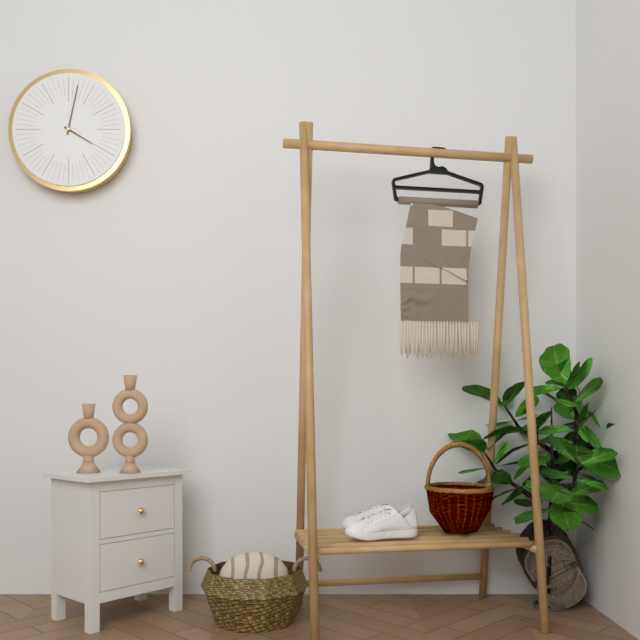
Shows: 4:02
